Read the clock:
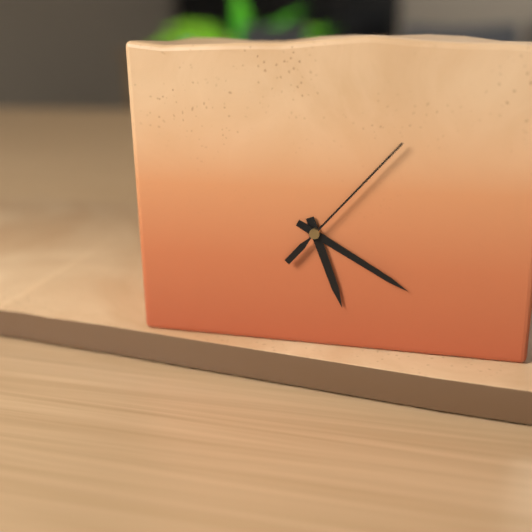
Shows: 5:20:07
